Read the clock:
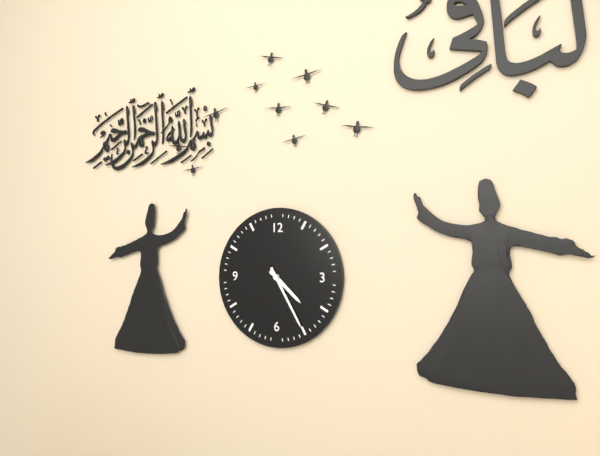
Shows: 4:25
